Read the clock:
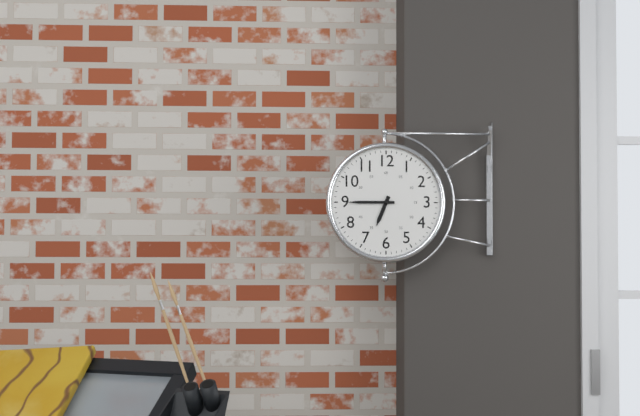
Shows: 6:45
